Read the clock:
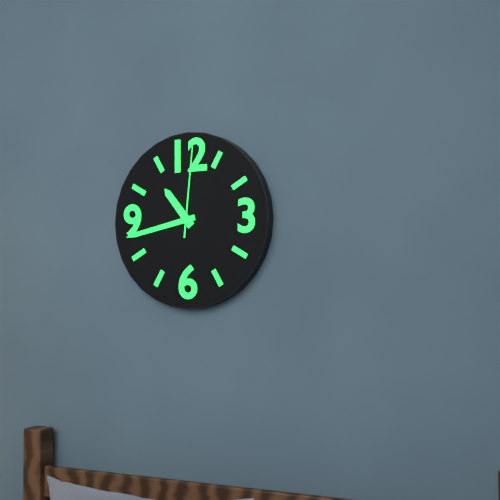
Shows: 10:43:01
